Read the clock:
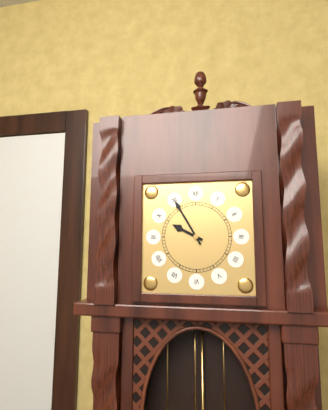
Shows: 9:55
